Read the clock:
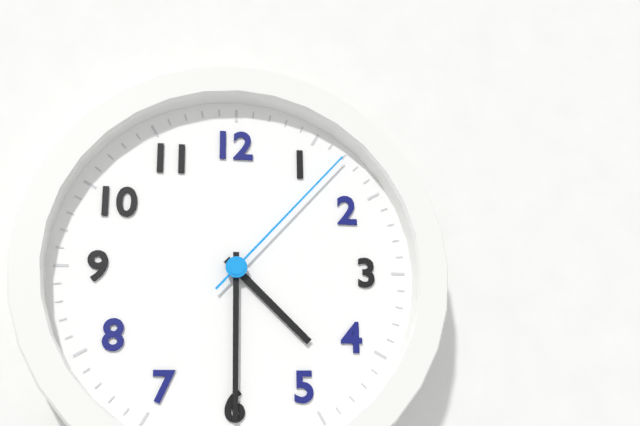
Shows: 4:30:07
